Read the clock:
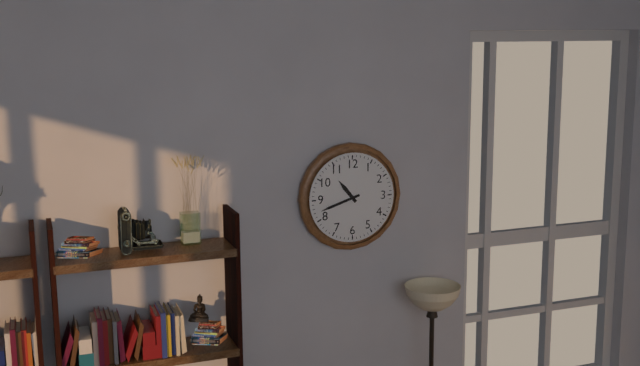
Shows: 10:42
